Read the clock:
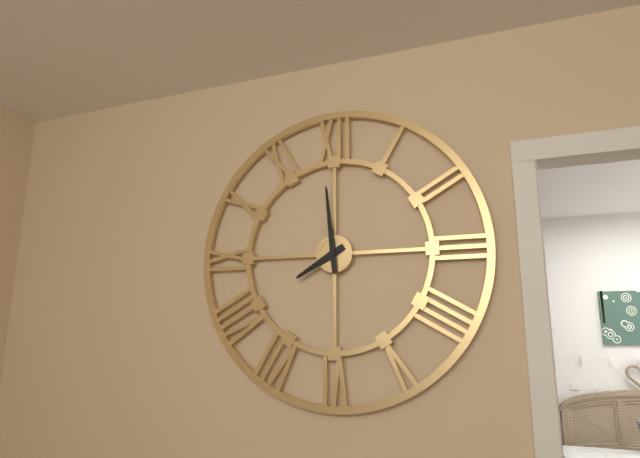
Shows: 7:59
